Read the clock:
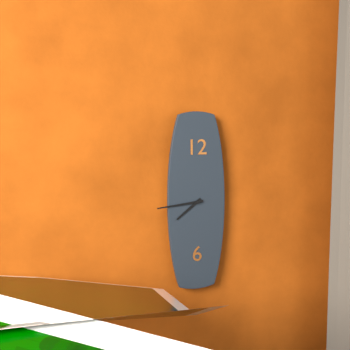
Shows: 7:44
